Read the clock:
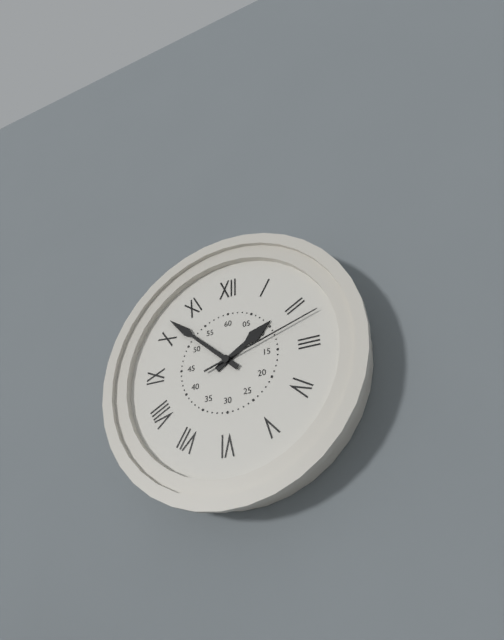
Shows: 1:52:12
